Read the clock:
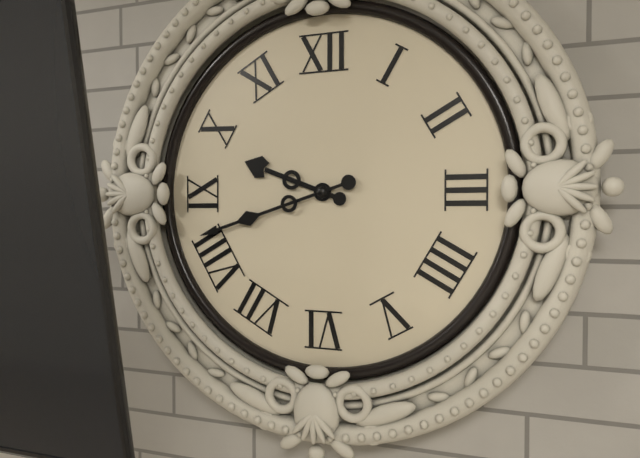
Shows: 9:42
